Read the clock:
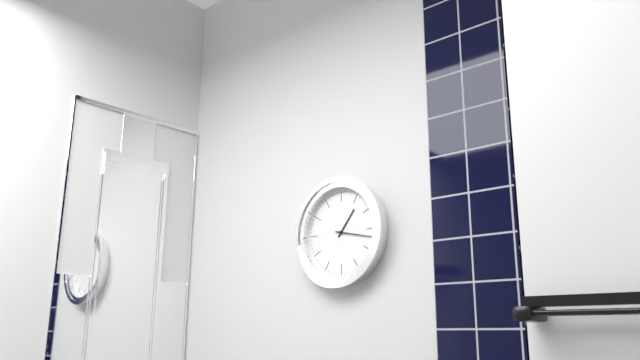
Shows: 1:17
